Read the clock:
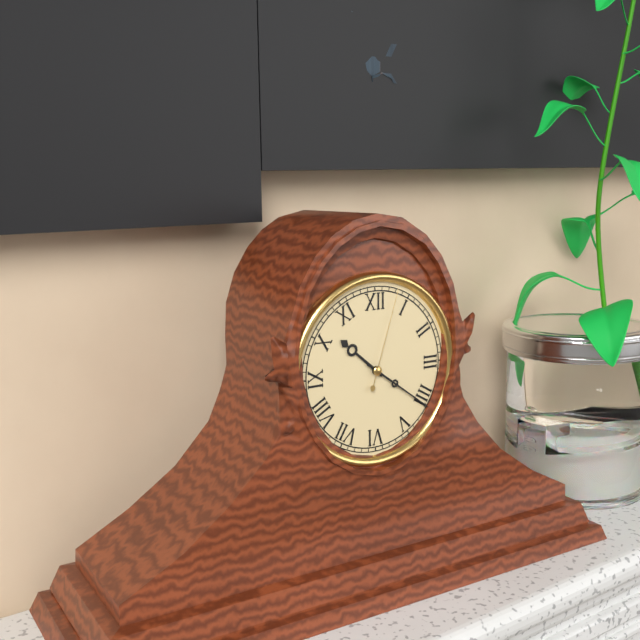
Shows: 10:21:03
